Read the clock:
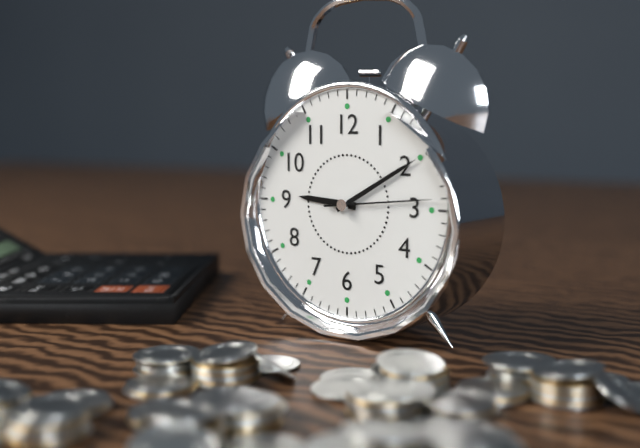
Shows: 9:10:14
